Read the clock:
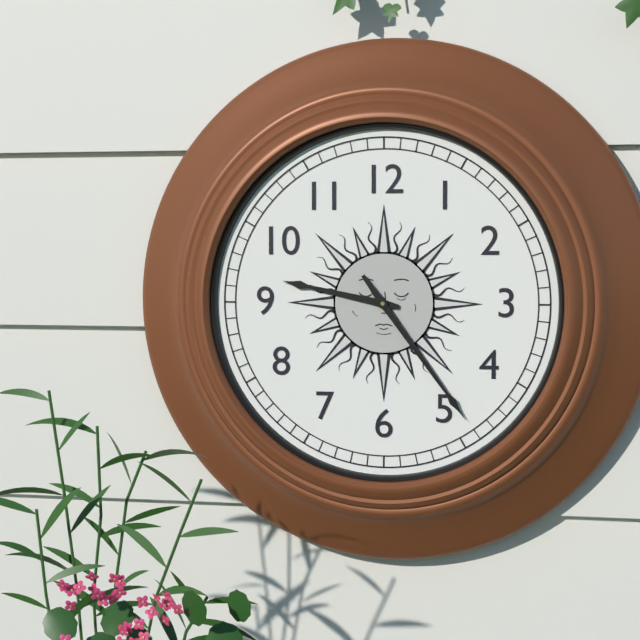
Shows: 9:24
